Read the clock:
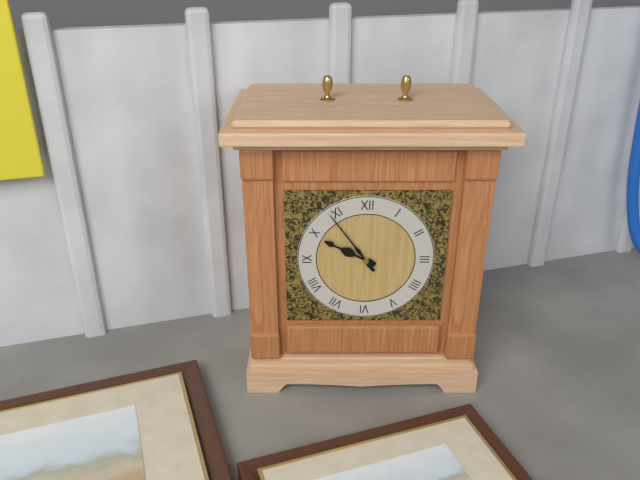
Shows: 9:54
